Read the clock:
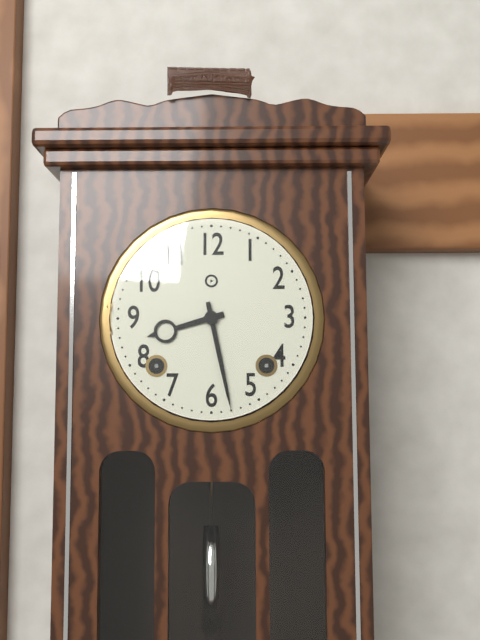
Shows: 8:28
